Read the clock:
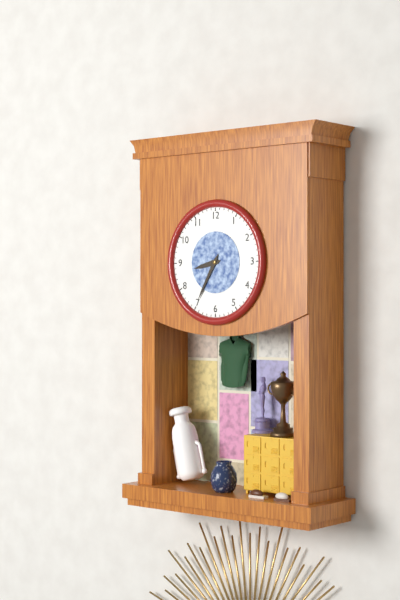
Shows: 8:35
